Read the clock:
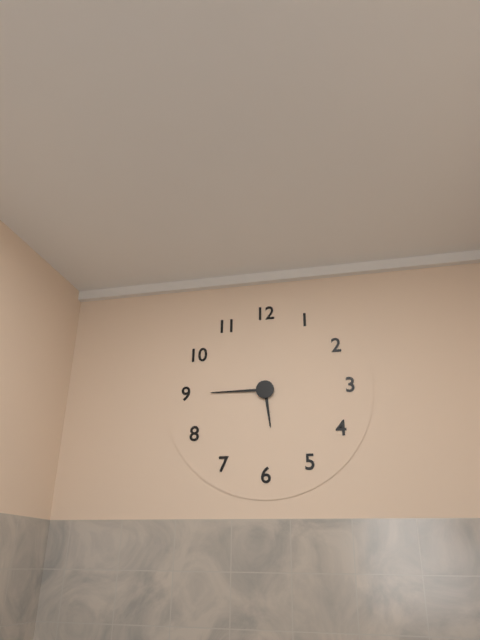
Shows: 5:45
